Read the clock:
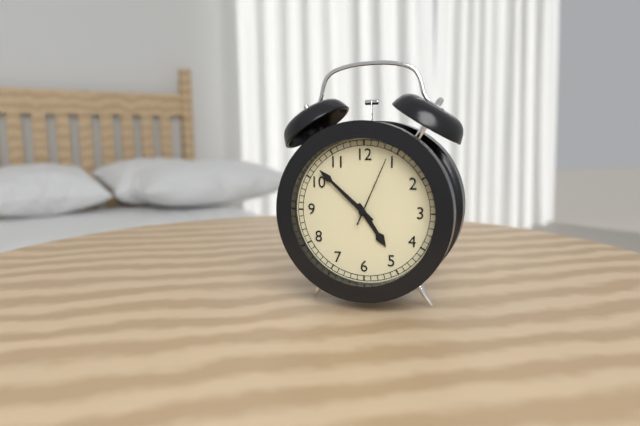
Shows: 4:52:04
